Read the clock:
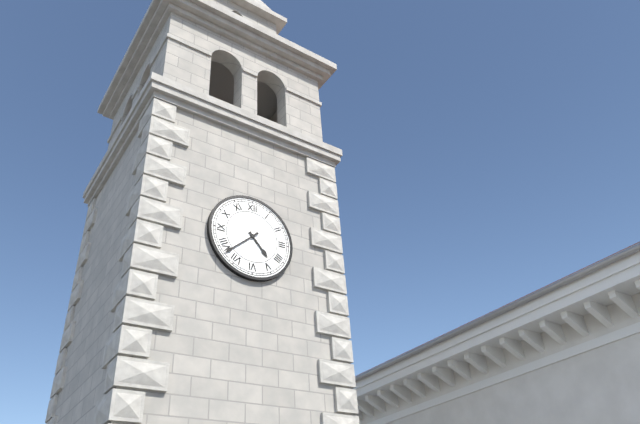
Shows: 4:38
